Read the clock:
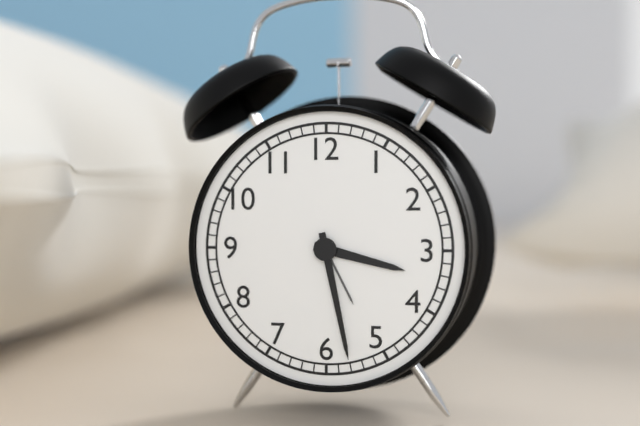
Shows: 3:28
